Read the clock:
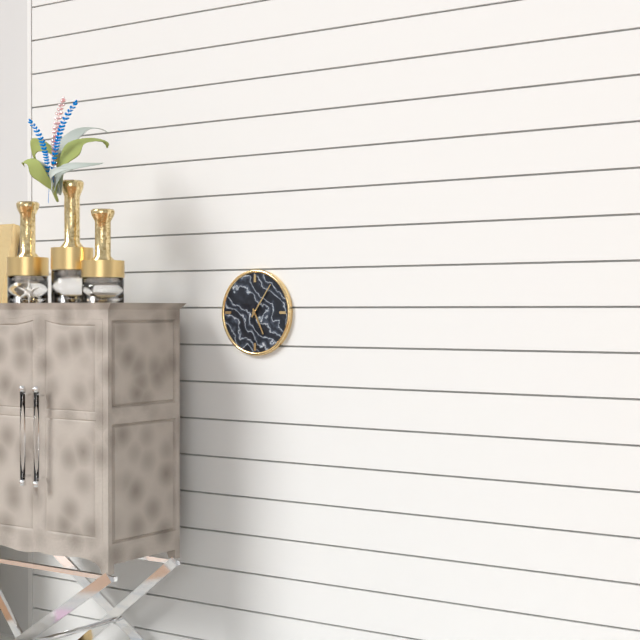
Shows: 5:06
